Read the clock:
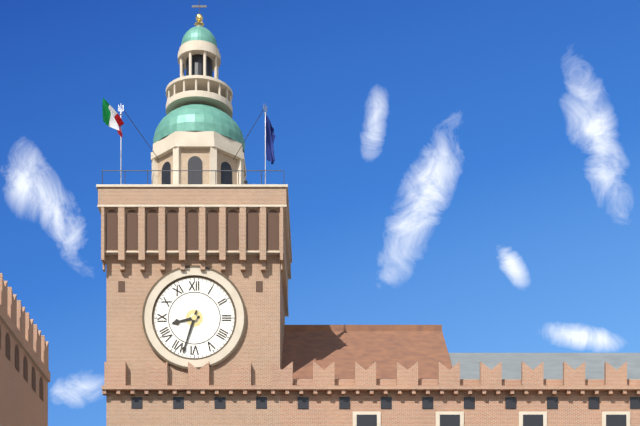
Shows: 8:33
